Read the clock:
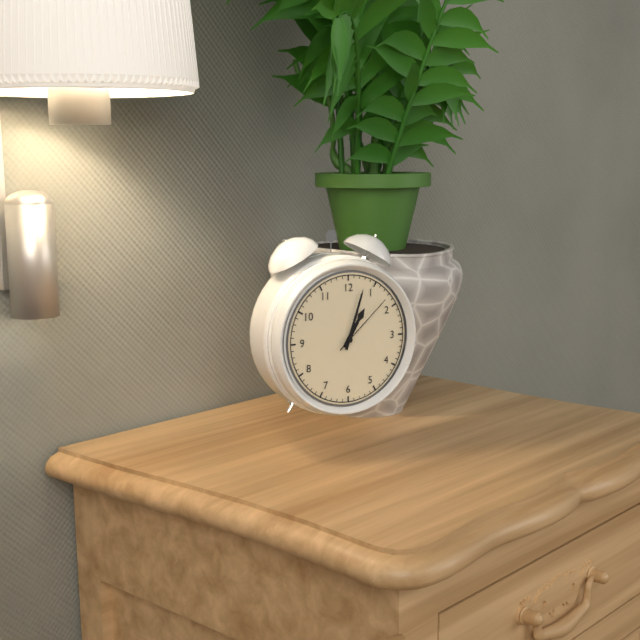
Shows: 1:03:08
